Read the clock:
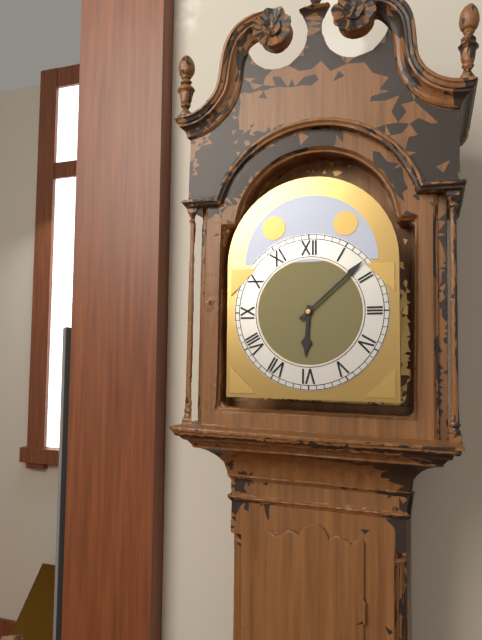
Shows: 6:08
